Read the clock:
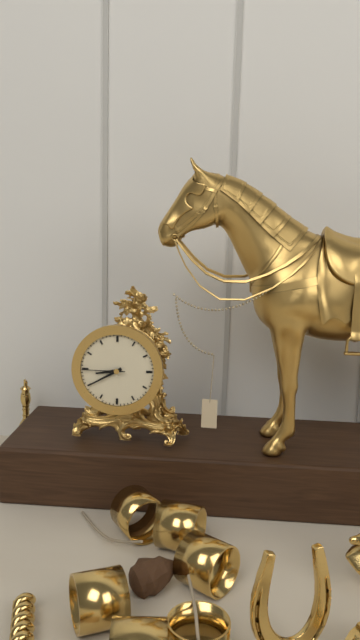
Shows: 8:40
